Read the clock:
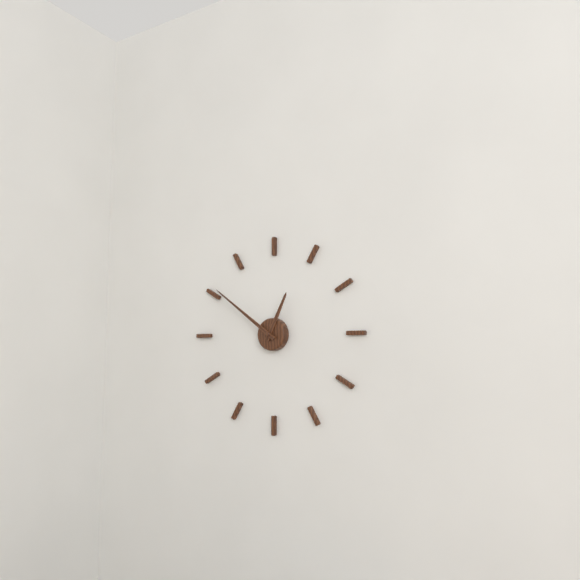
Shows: 12:51
